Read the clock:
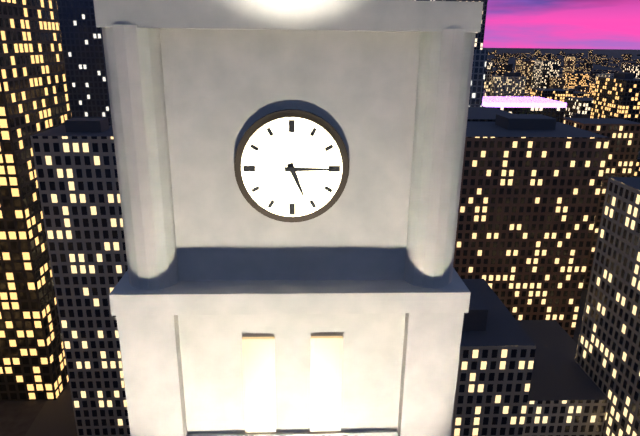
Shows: 5:15
